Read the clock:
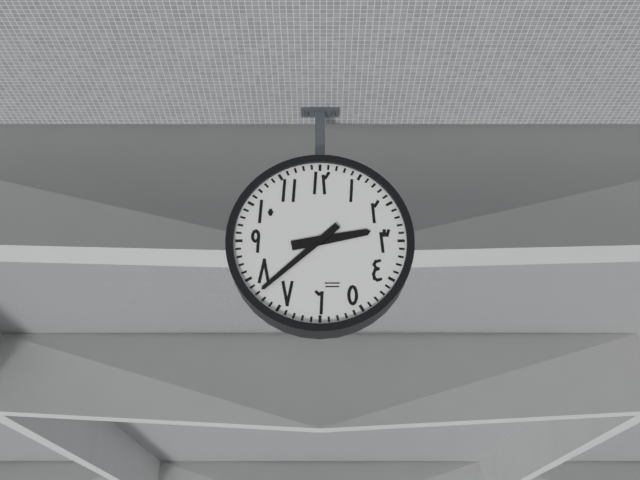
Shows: 2:38
